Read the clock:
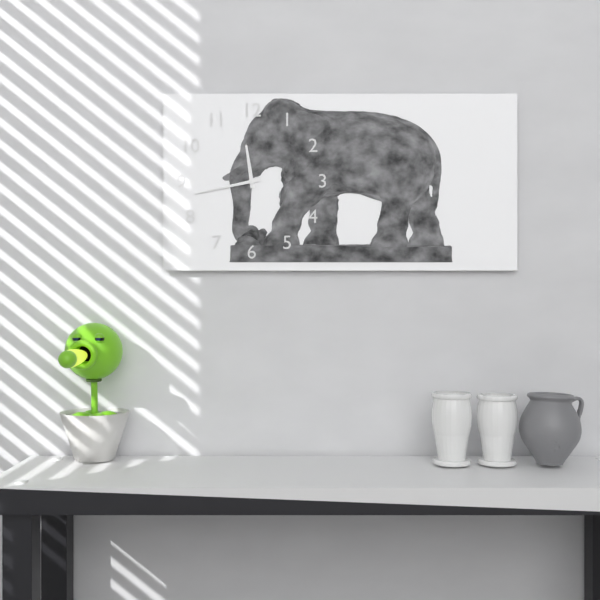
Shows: 11:43
